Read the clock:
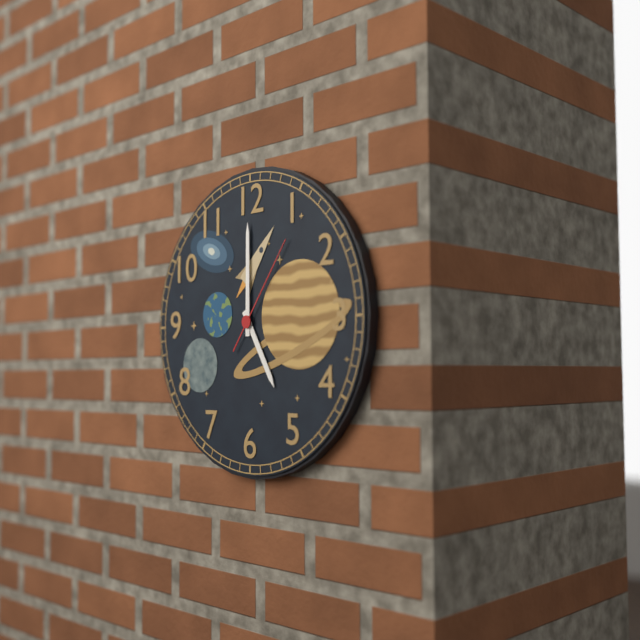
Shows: 5:00:06
